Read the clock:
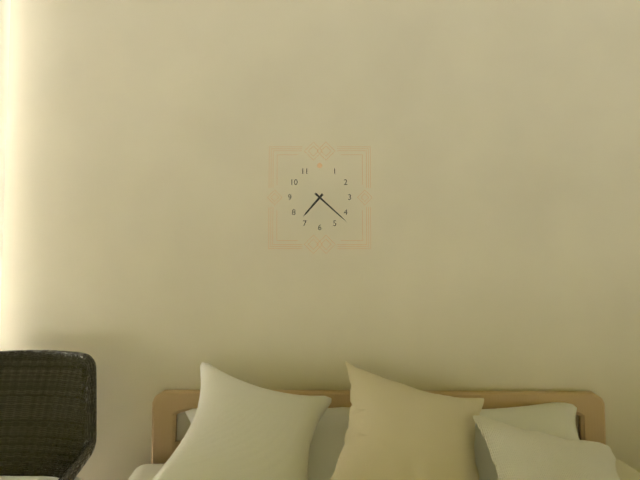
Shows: 7:22
